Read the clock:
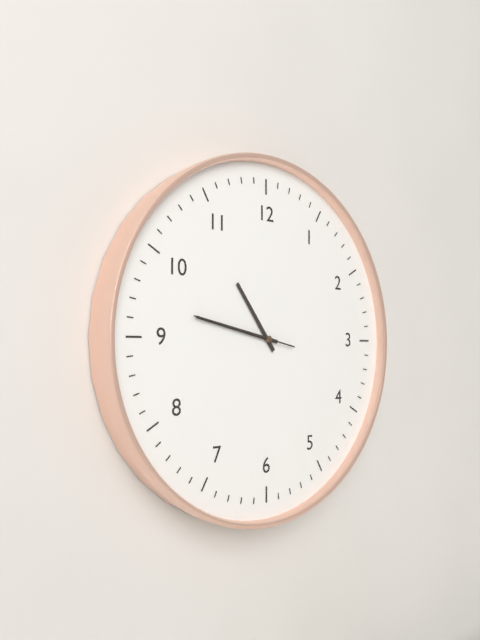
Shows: 10:47:47
